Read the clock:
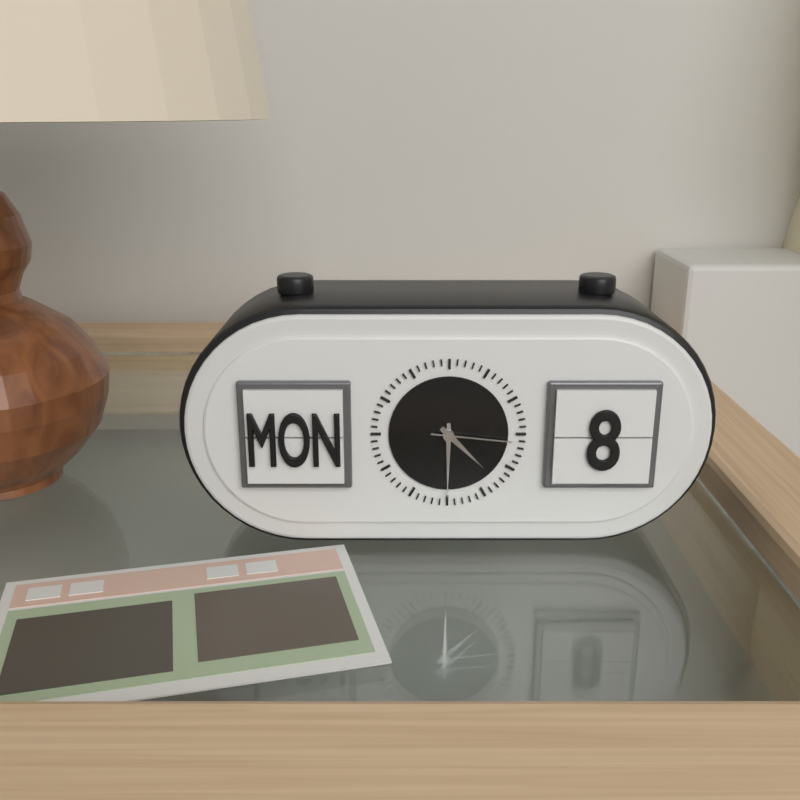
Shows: 4:30:16
